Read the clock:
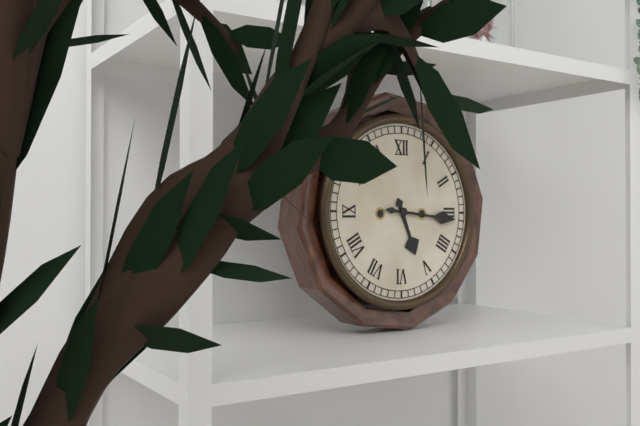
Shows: 5:16
